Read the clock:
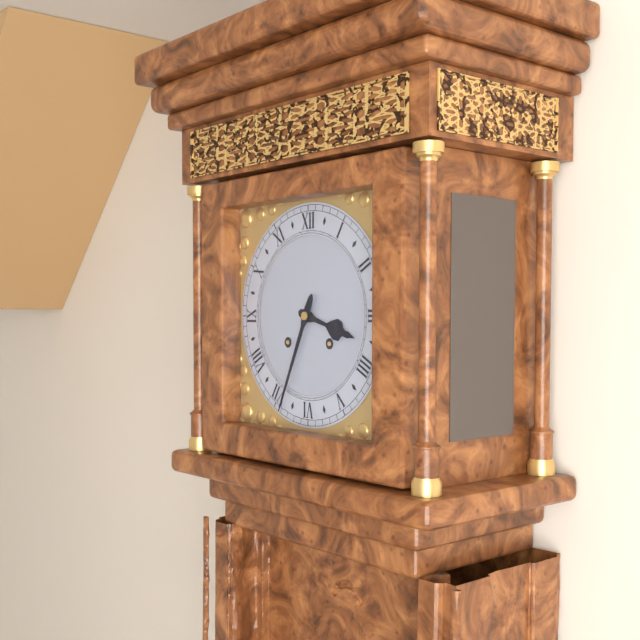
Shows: 3:34
